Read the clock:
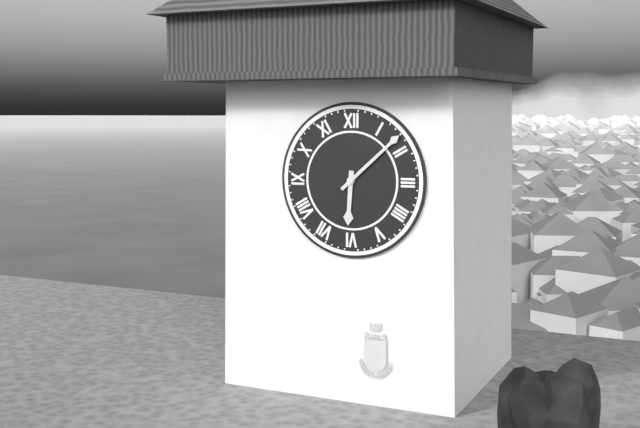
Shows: 6:08
